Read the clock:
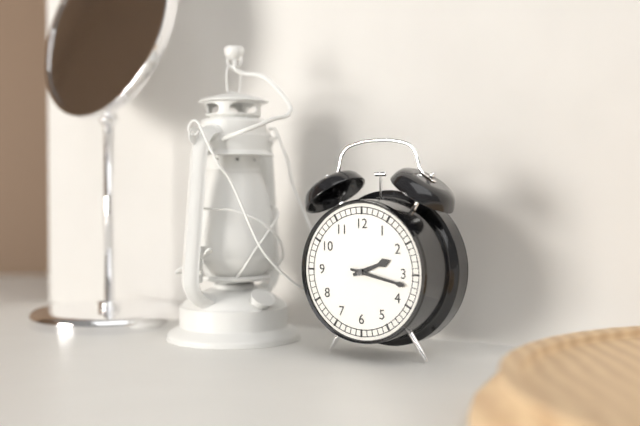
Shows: 2:17
